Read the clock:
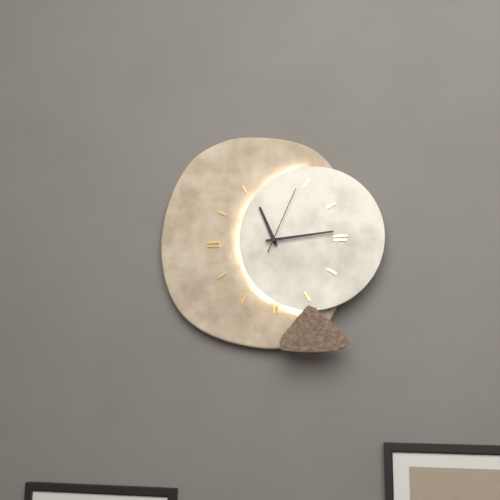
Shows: 11:14:04
